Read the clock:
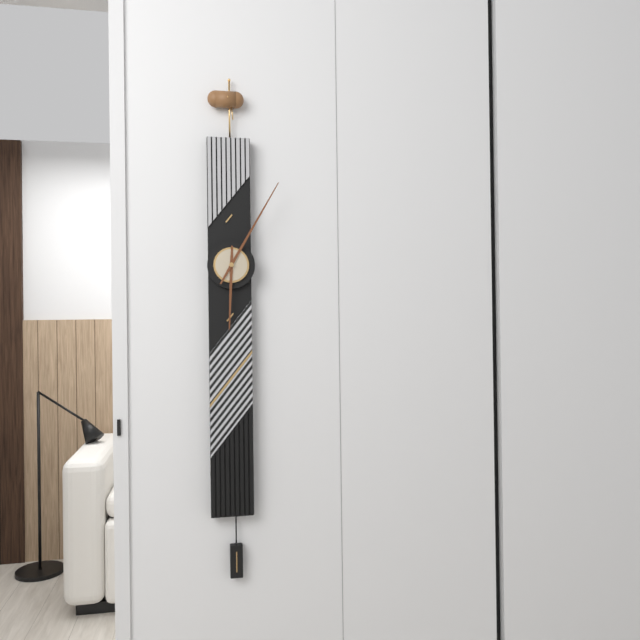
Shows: 6:05
